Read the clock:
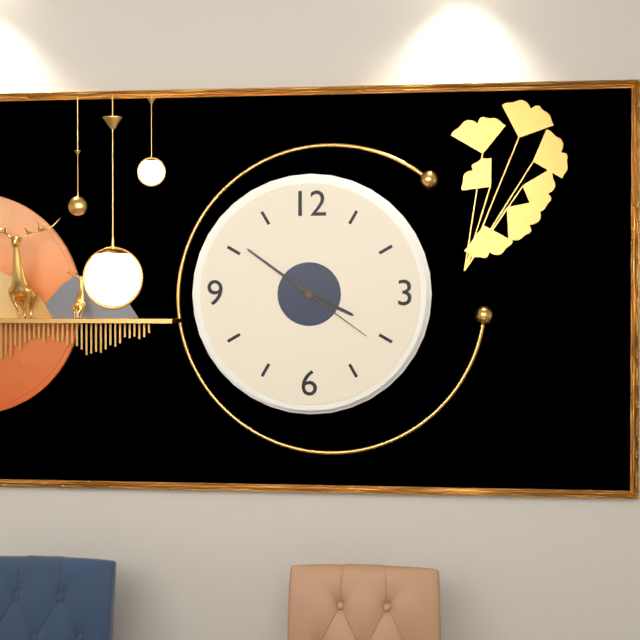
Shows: 3:51:21
